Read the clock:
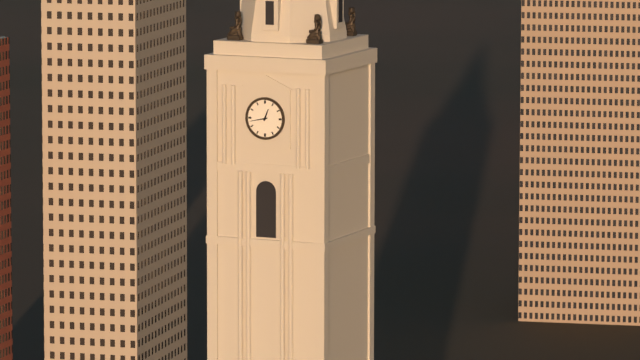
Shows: 12:43
